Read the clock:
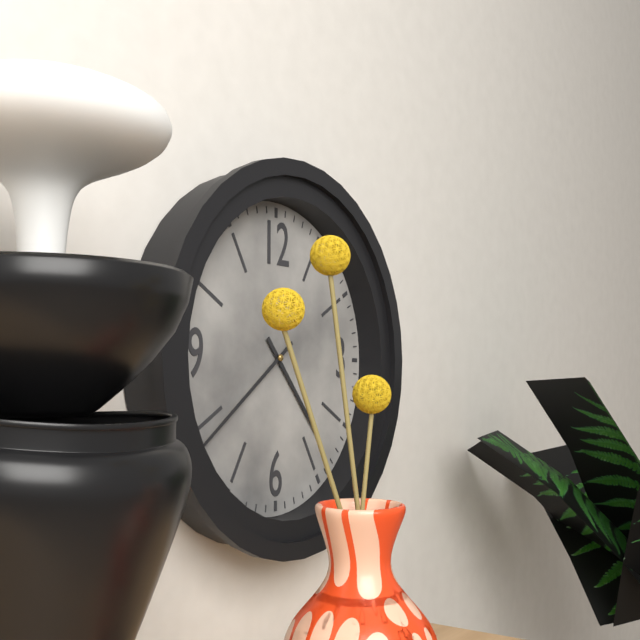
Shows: 4:39
